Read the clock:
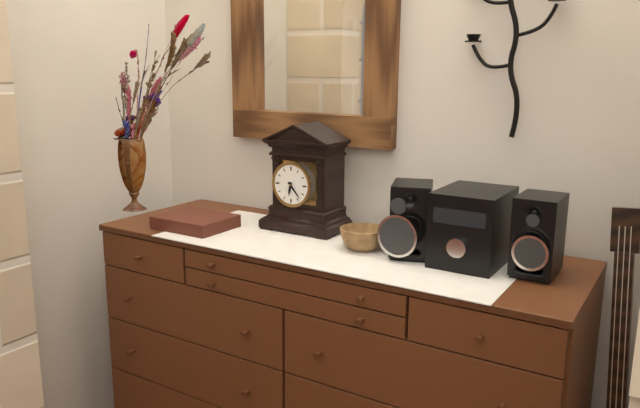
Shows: 6:23
